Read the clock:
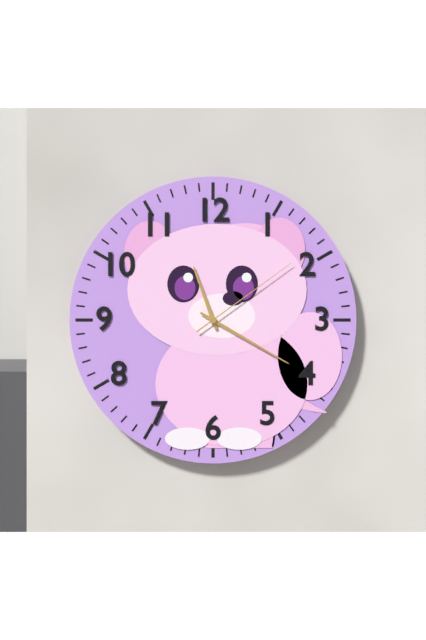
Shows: 11:20:09
